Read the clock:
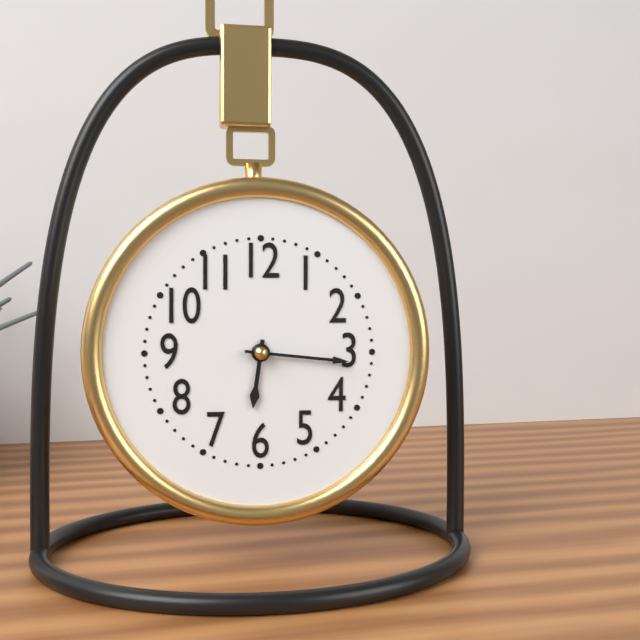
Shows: 6:16
